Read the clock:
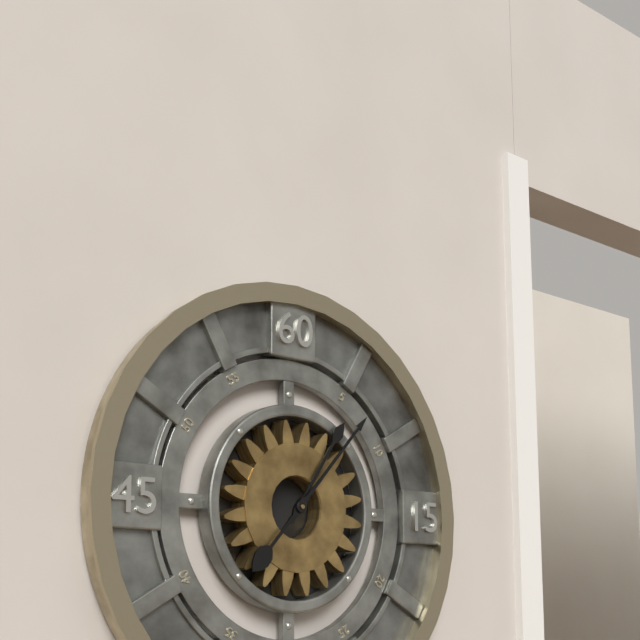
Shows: 1:07
